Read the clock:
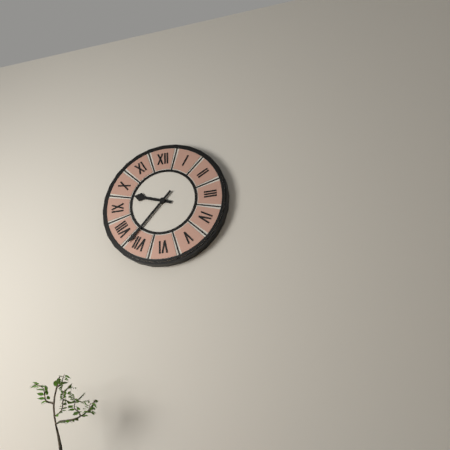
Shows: 9:37
